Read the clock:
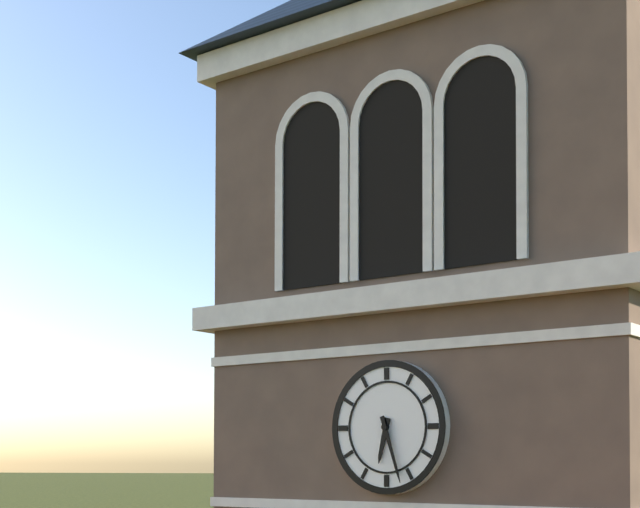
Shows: 6:27
